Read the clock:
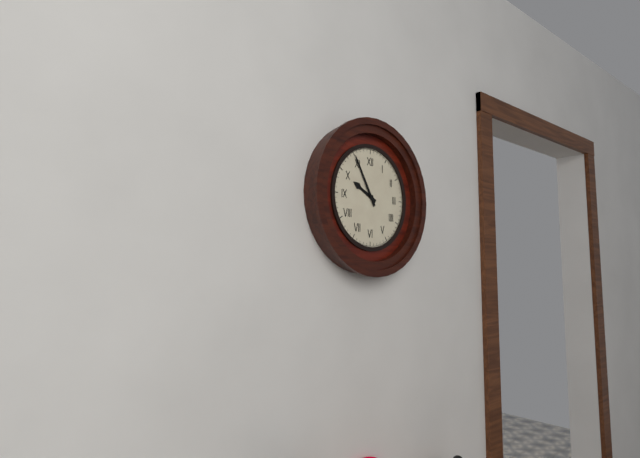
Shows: 9:55
